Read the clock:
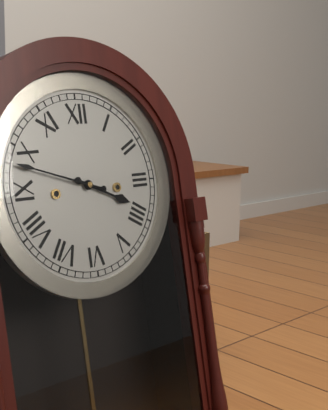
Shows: 3:48
